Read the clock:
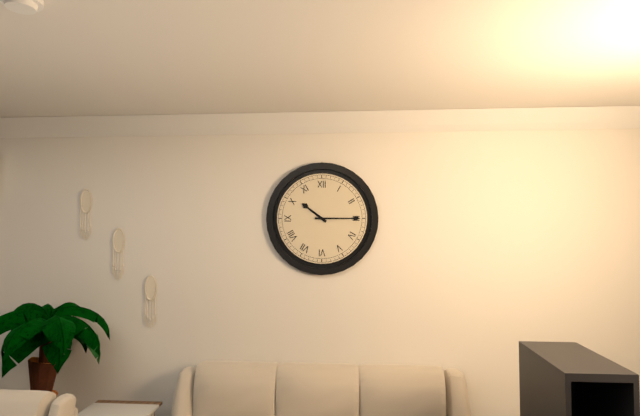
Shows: 10:15
